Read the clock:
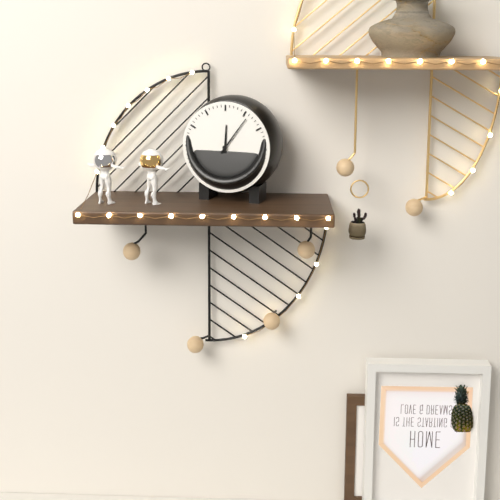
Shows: 12:06
